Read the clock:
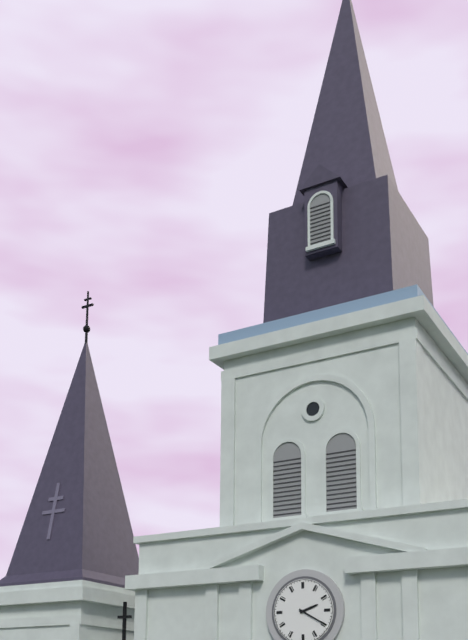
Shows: 2:20
